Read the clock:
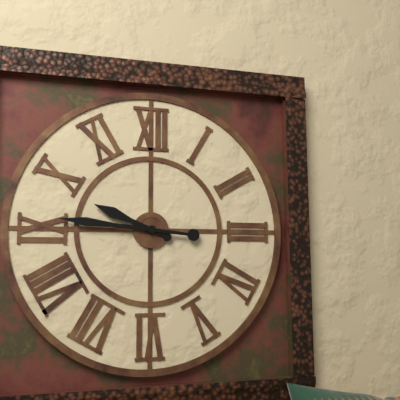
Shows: 9:46
